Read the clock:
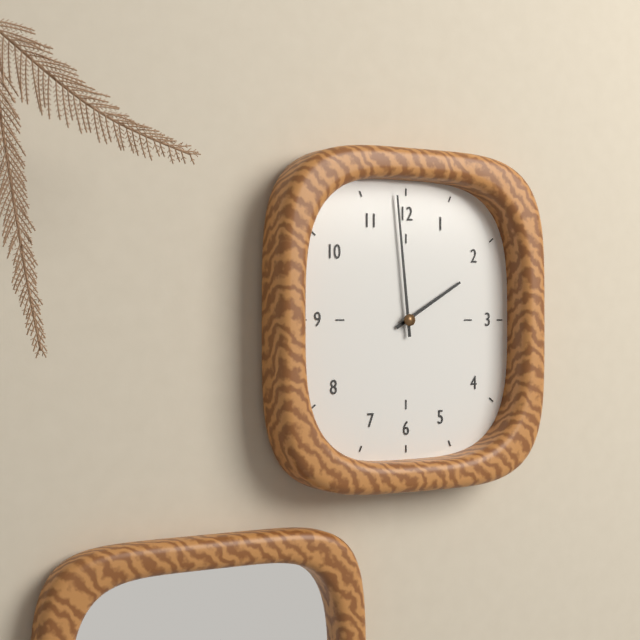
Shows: 1:59
